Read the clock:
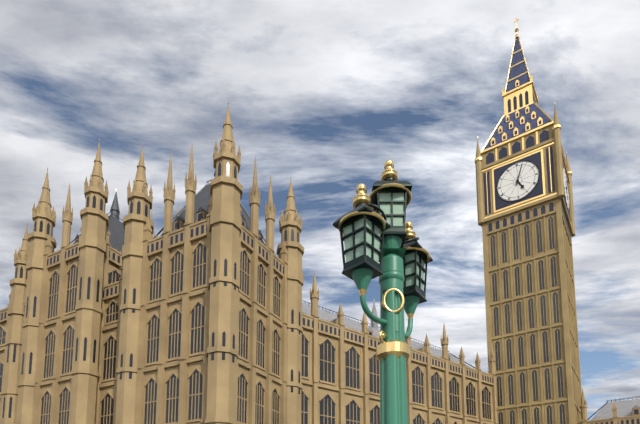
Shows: 5:03
